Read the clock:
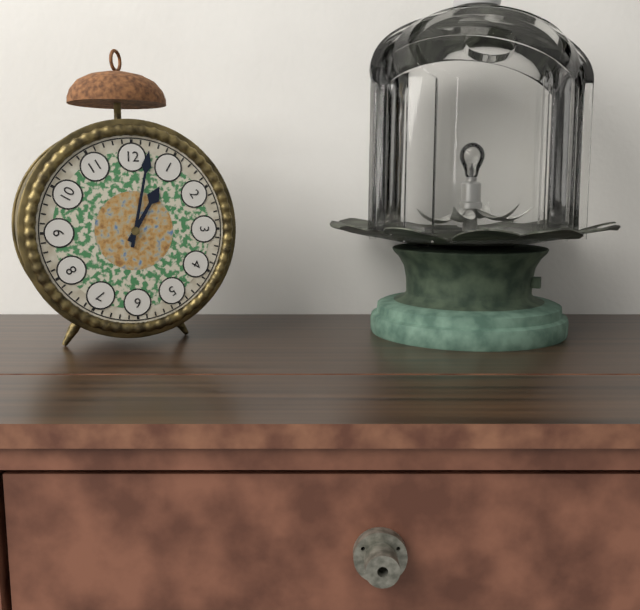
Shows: 1:02
